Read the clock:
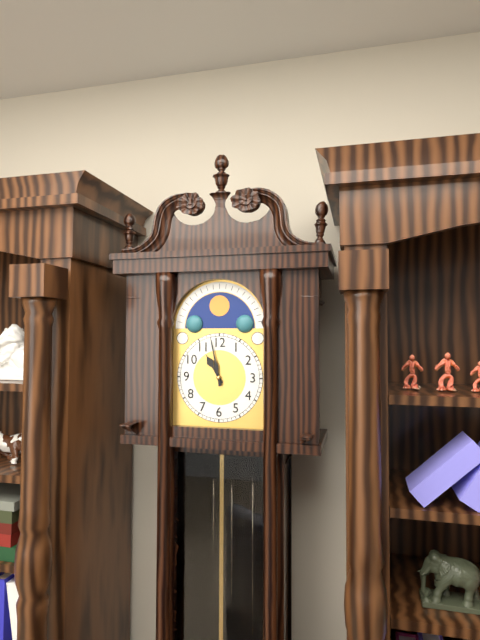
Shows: 10:58
